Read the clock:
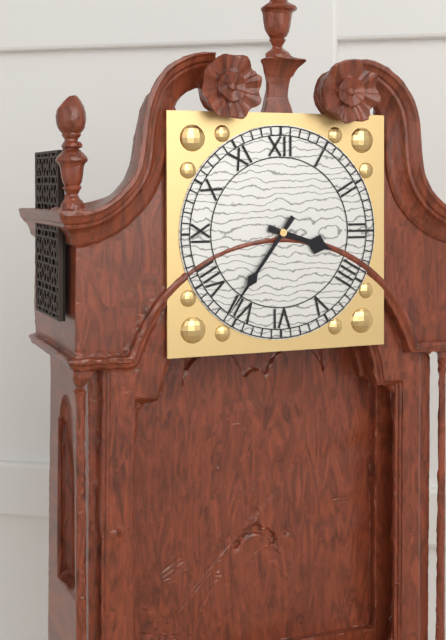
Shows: 3:36
